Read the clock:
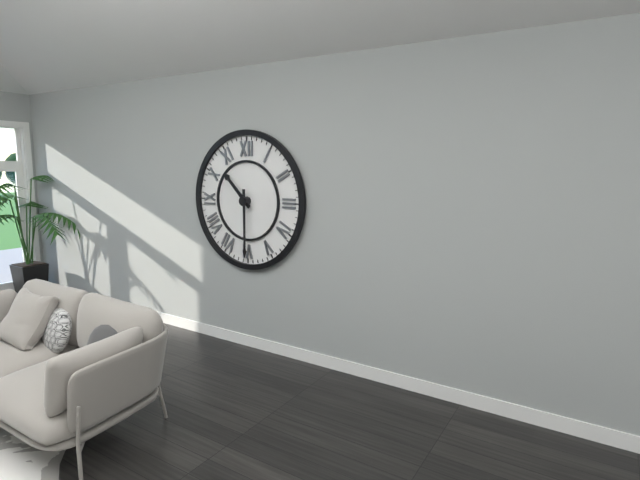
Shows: 10:30
